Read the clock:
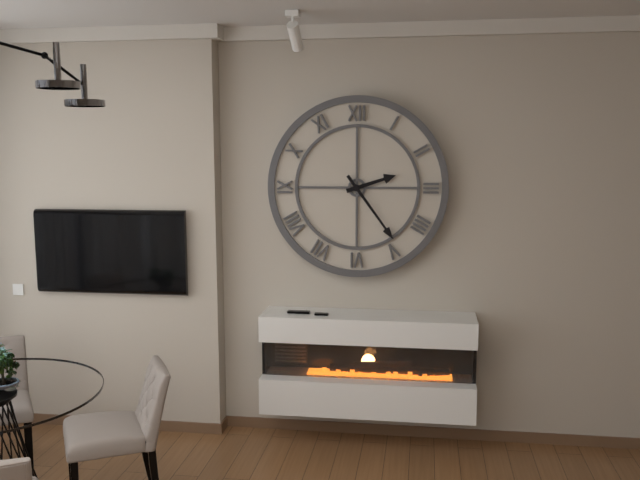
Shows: 2:24
